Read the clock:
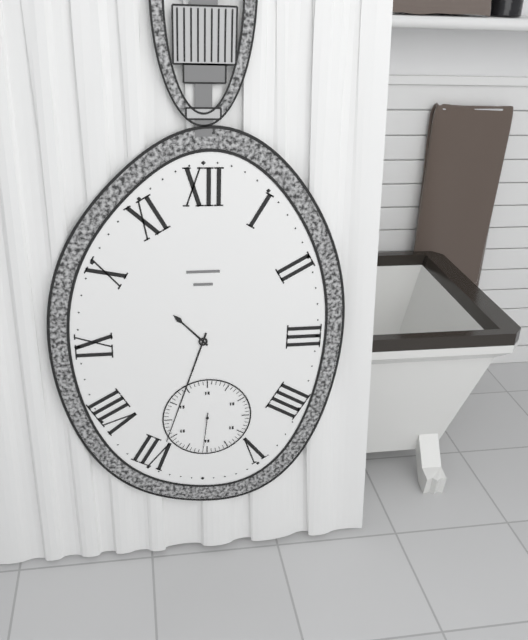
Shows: 10:33
